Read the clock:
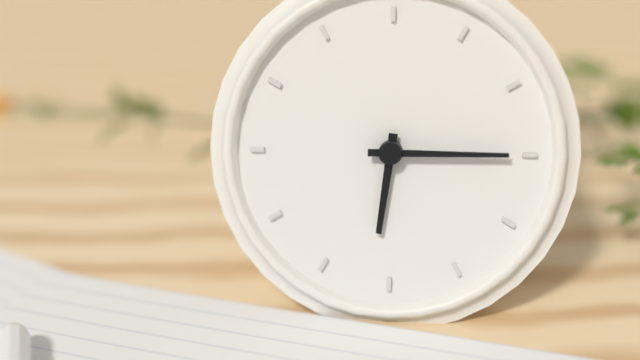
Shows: 6:15
